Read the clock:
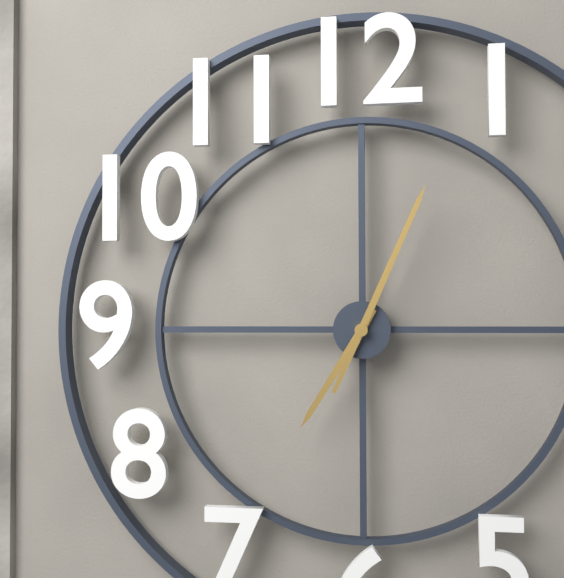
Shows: 7:04
